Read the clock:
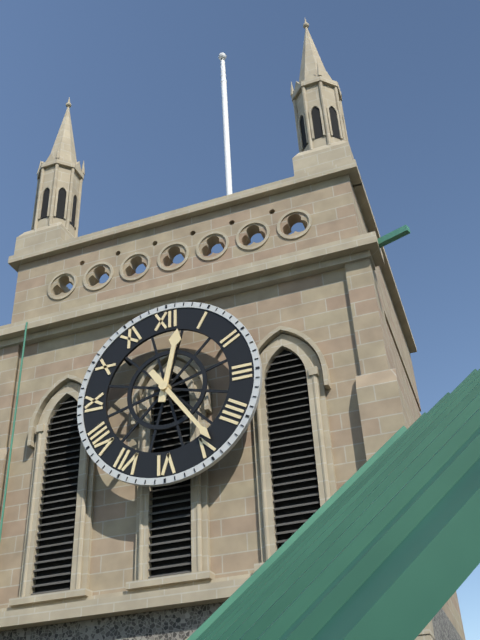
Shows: 12:24
